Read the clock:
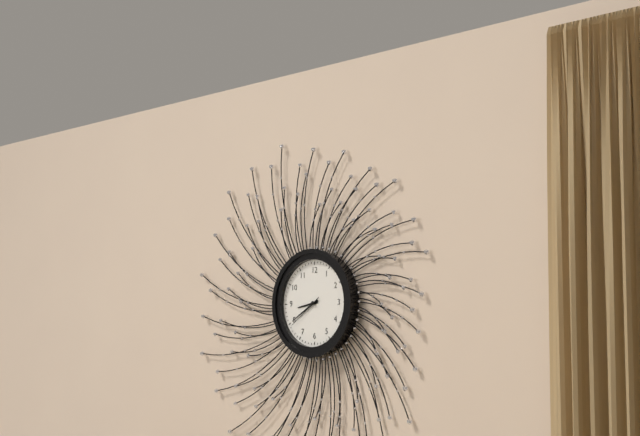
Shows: 8:40
